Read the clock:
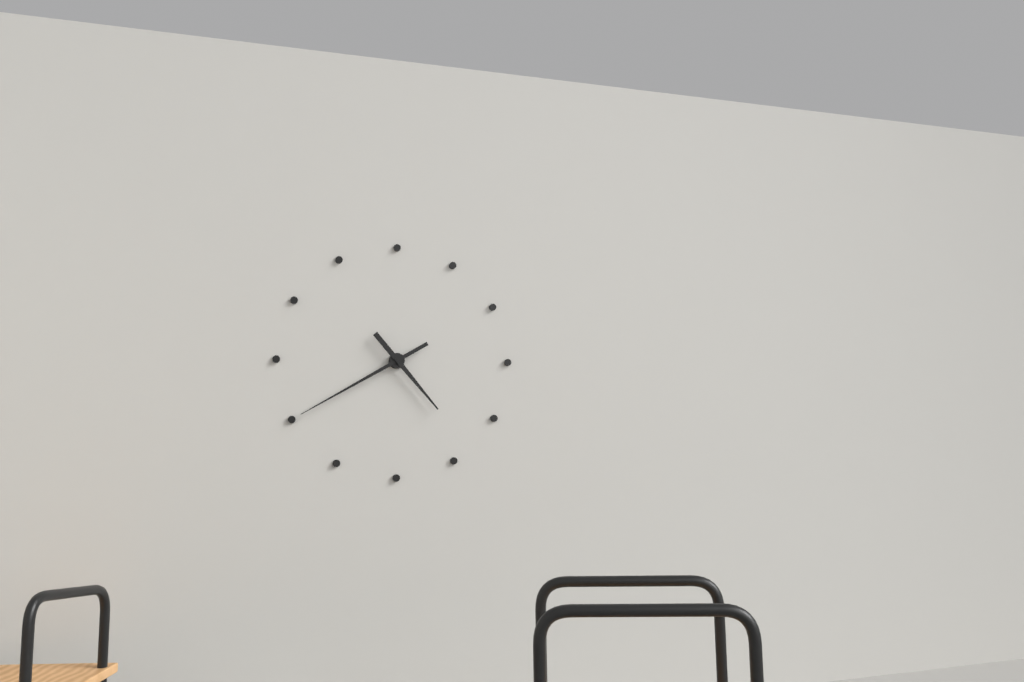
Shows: 4:40
